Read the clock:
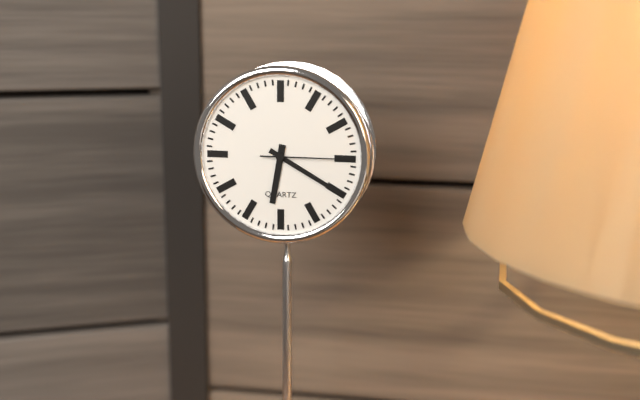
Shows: 6:20:15
